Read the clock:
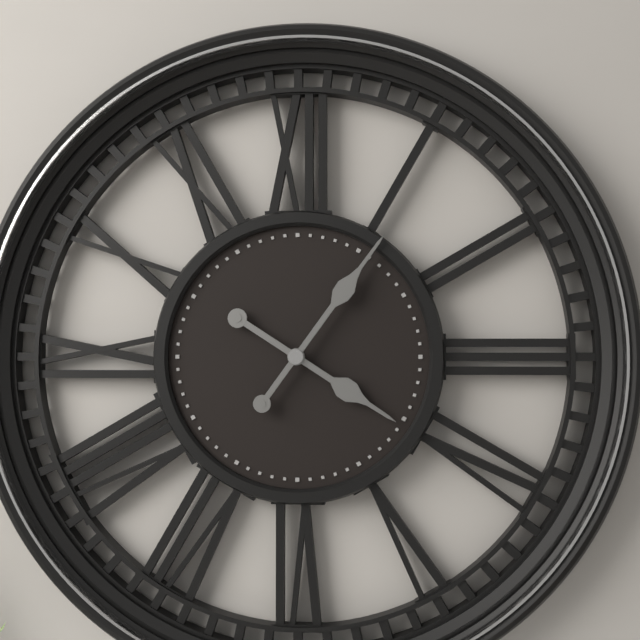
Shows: 4:06
